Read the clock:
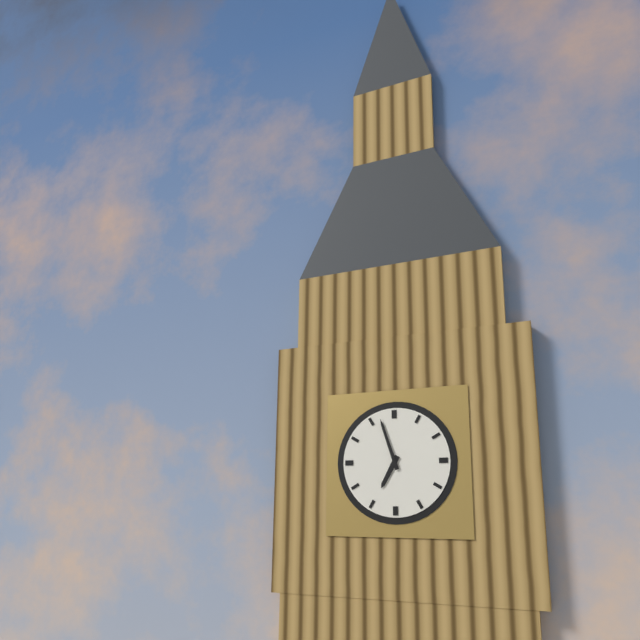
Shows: 6:57
